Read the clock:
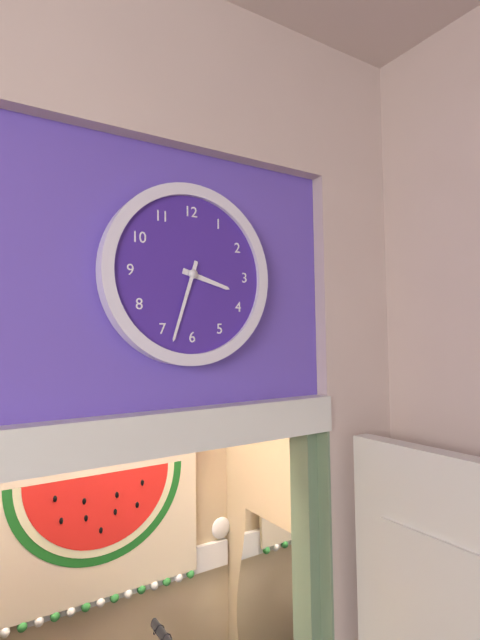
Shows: 3:33
